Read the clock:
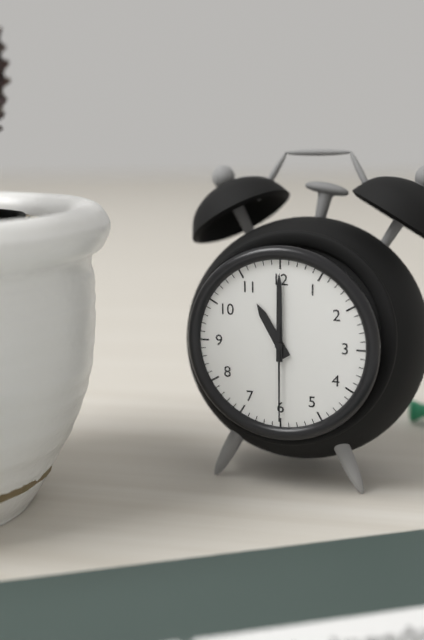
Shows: 11:00:30
